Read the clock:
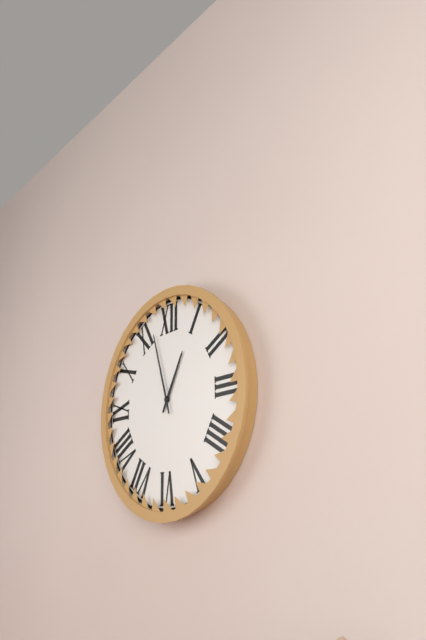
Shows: 12:57
